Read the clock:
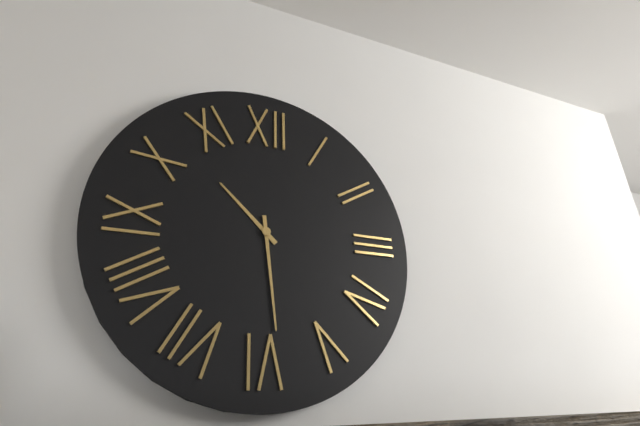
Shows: 10:29
